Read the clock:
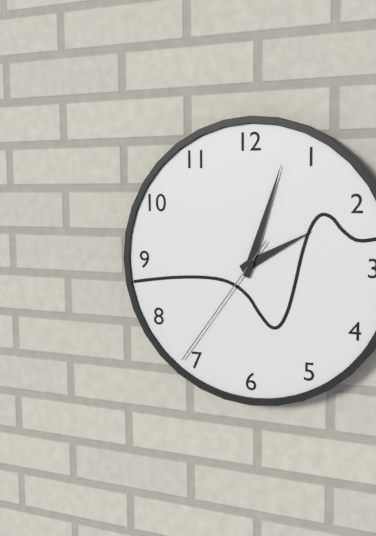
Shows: 2:03:36
